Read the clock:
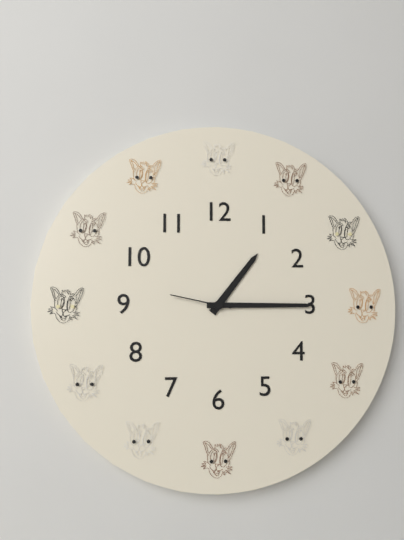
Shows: 1:15:47
